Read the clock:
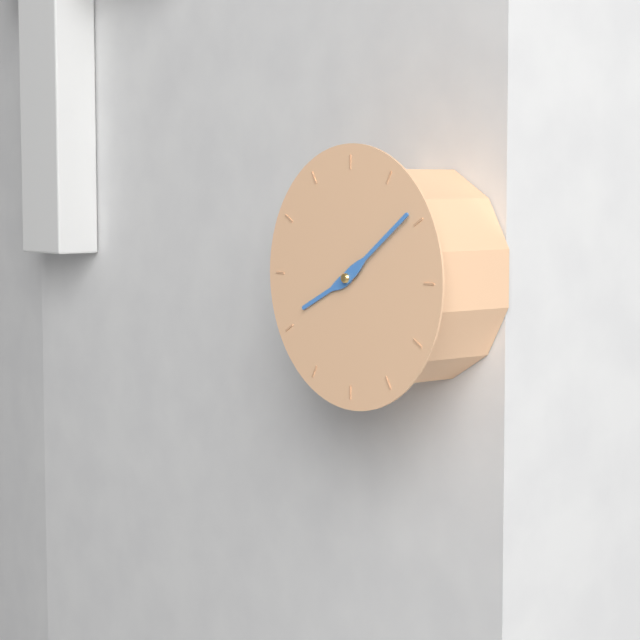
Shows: 8:09
